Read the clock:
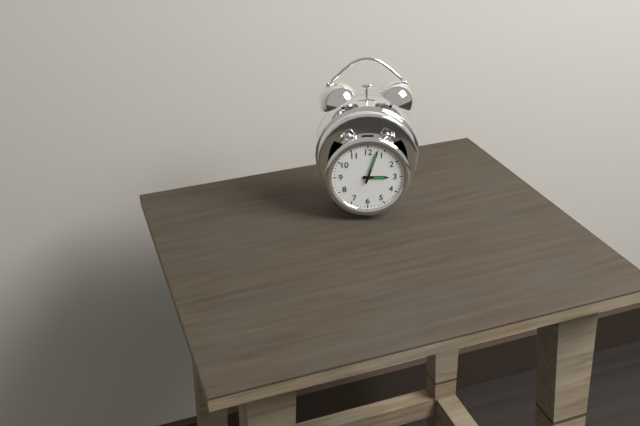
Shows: 3:03
